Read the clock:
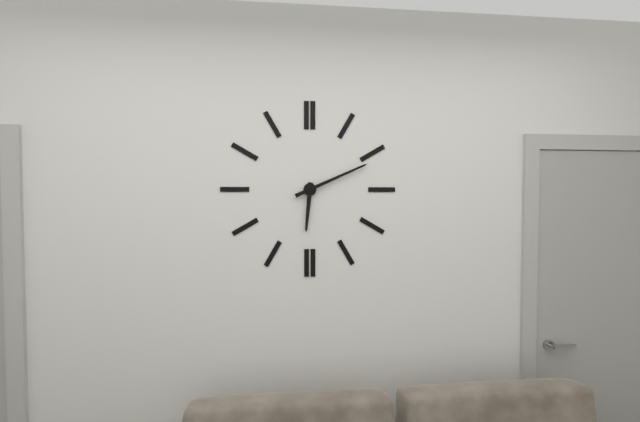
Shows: 6:11
